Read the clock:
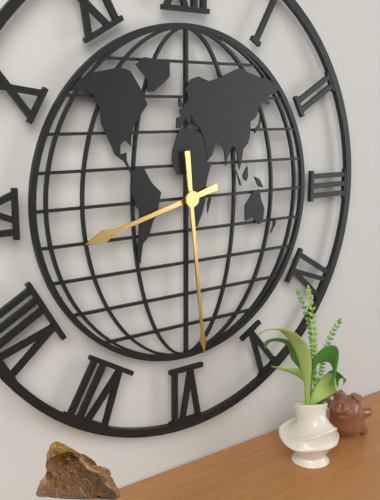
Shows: 8:29
